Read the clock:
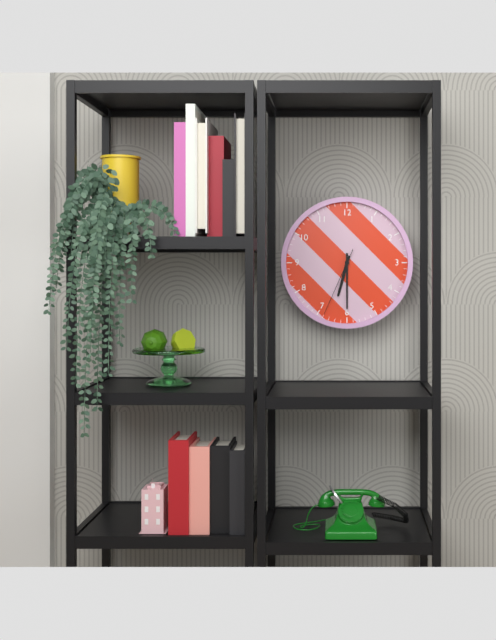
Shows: 6:30:34
